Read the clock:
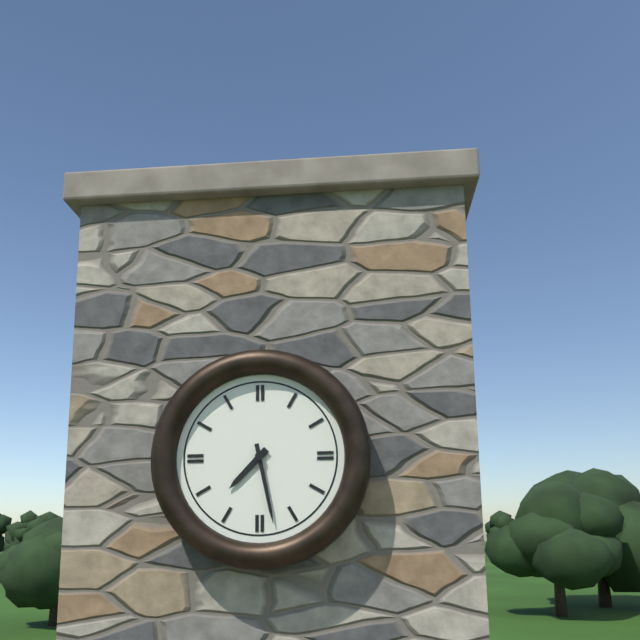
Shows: 7:28
